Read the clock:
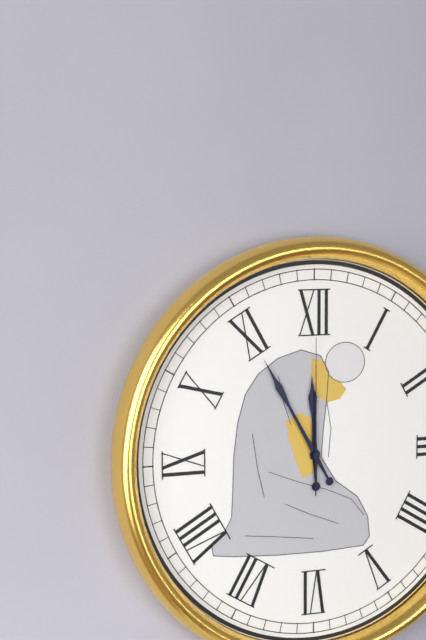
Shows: 11:55:00
